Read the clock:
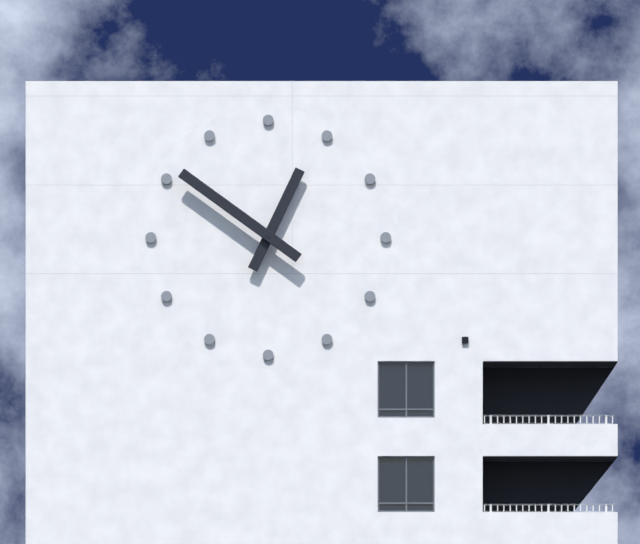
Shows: 12:51
